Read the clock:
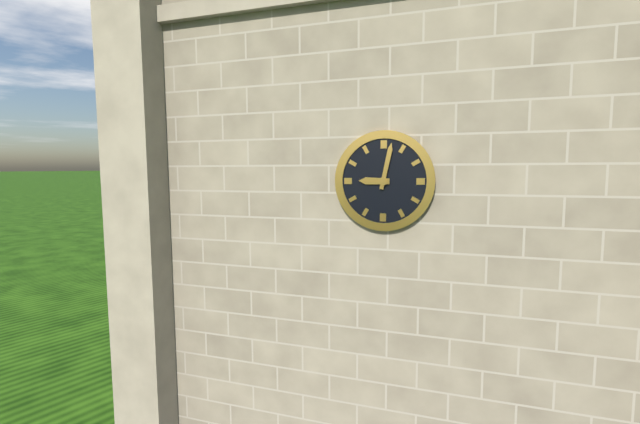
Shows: 9:02
